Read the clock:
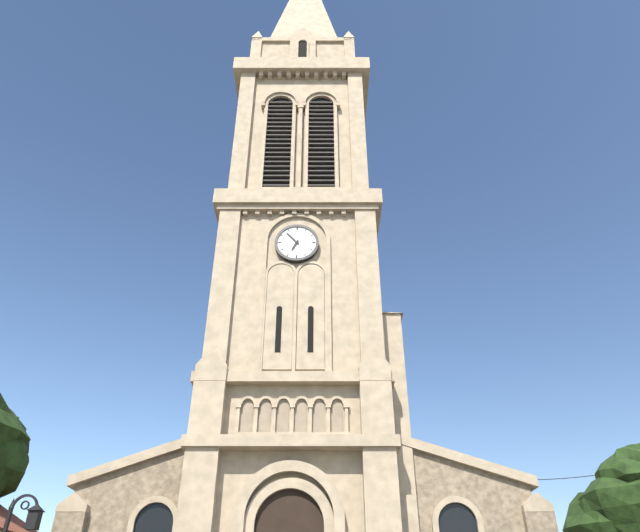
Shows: 6:53
